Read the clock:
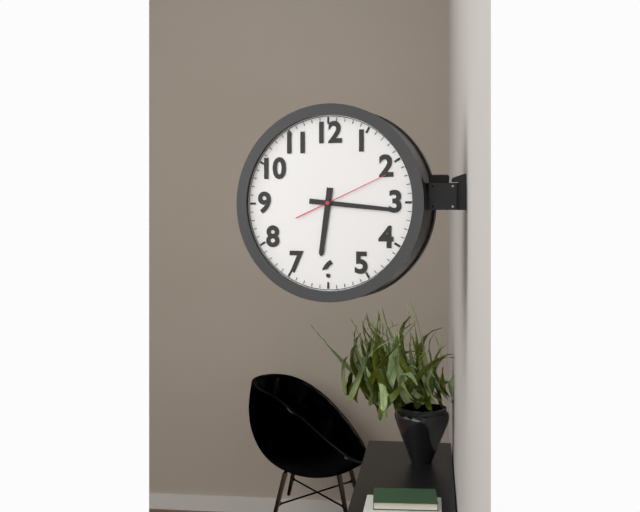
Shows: 6:16:11
